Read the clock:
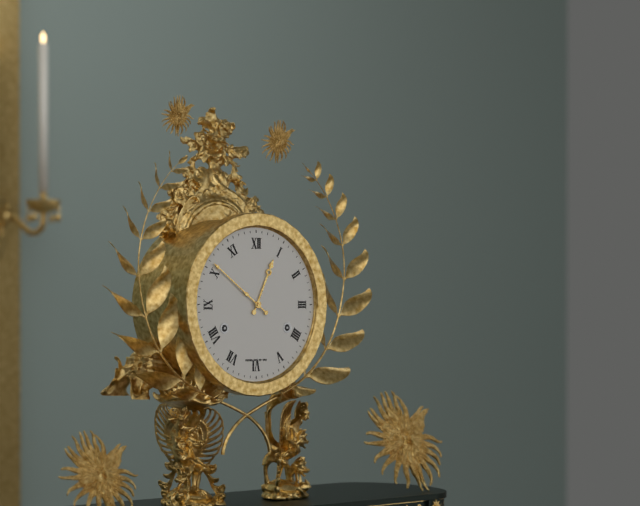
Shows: 12:51
